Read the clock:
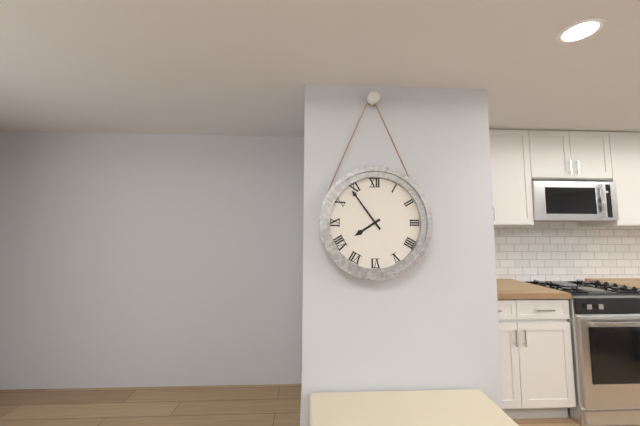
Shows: 7:54
